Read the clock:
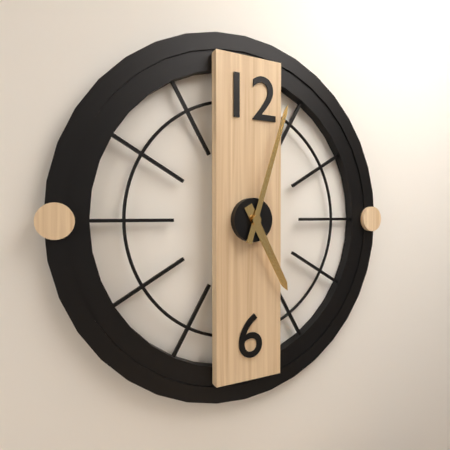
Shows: 5:03
